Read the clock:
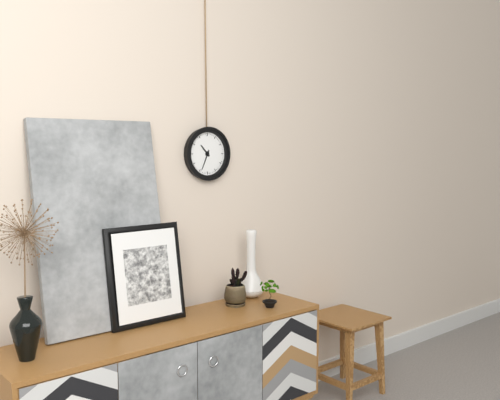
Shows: 10:34
